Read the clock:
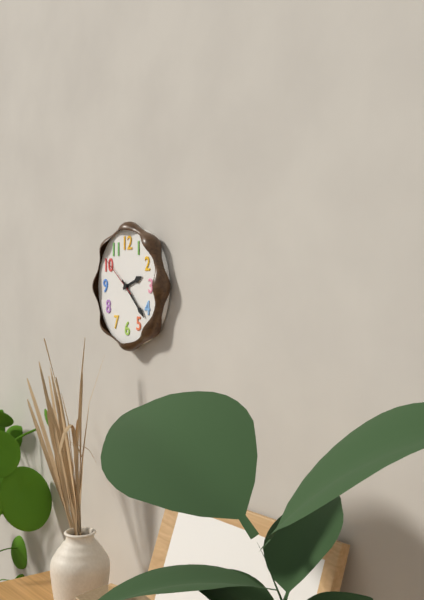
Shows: 2:22
